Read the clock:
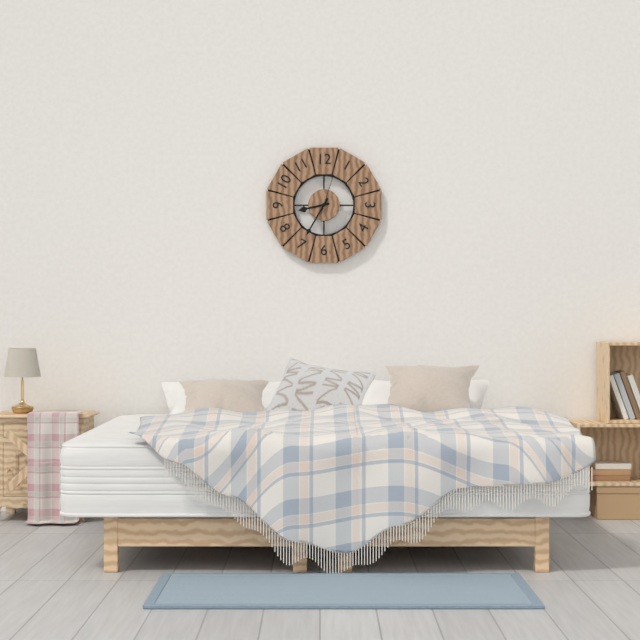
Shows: 8:35
